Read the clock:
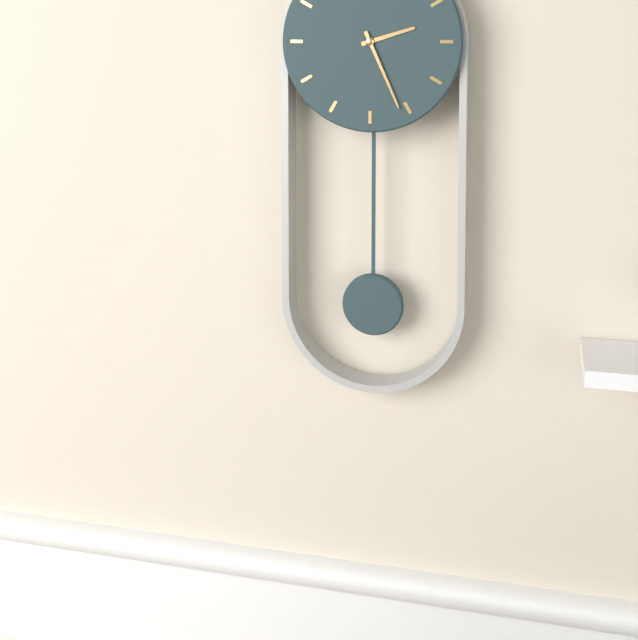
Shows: 2:26
